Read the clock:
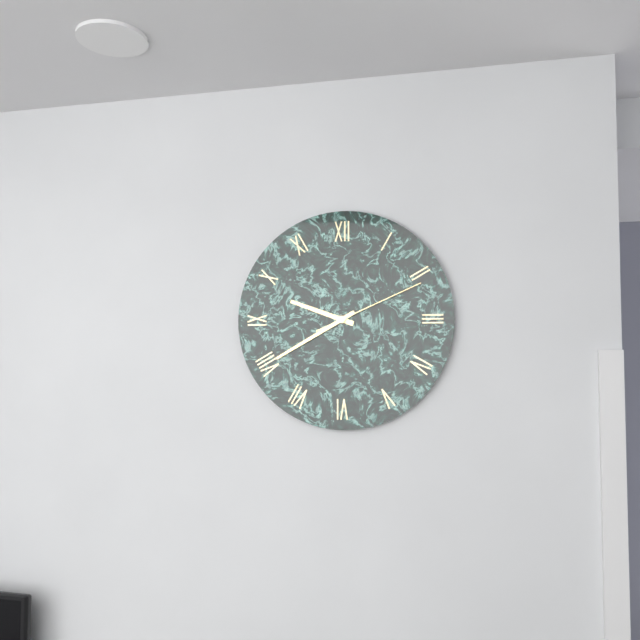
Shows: 9:40:11
